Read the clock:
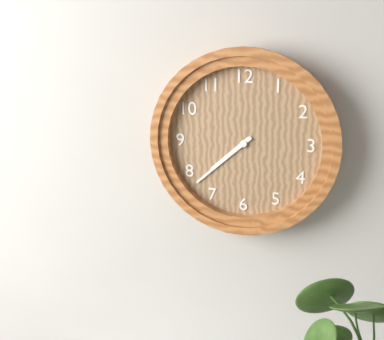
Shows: 7:38
